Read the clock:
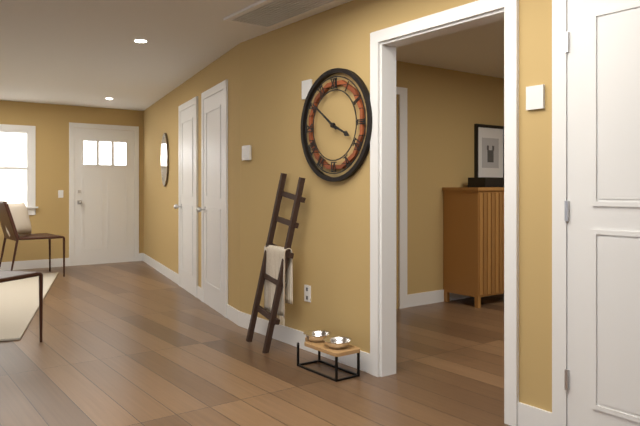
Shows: 3:51
